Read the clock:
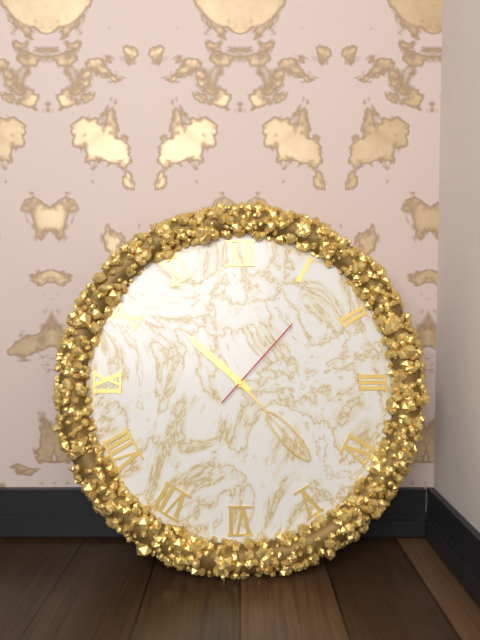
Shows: 10:23:07
